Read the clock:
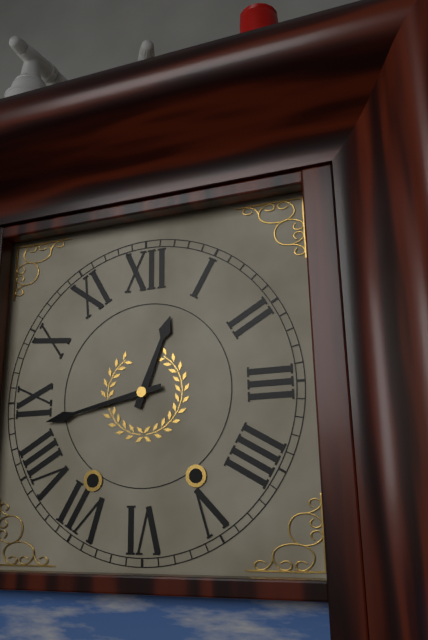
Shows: 12:43
